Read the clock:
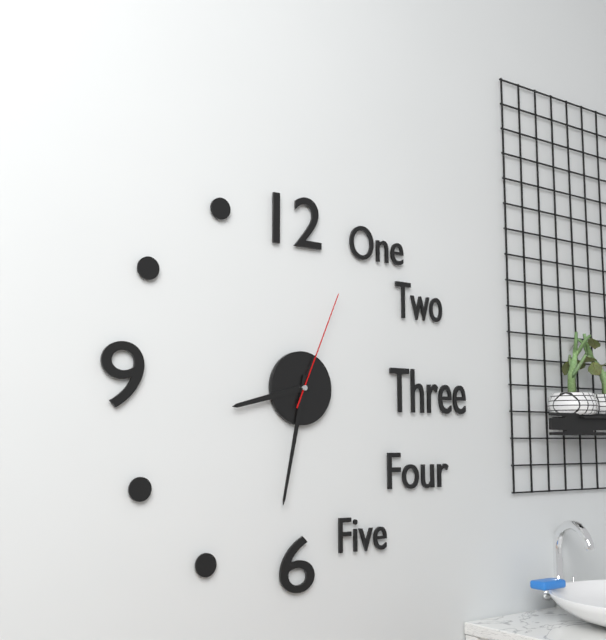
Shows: 8:32:04
